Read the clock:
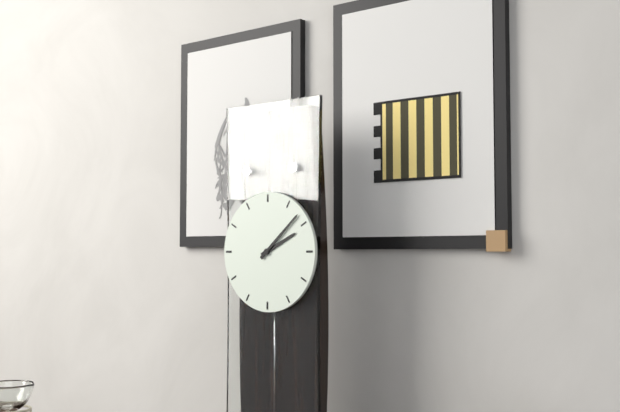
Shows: 2:08
